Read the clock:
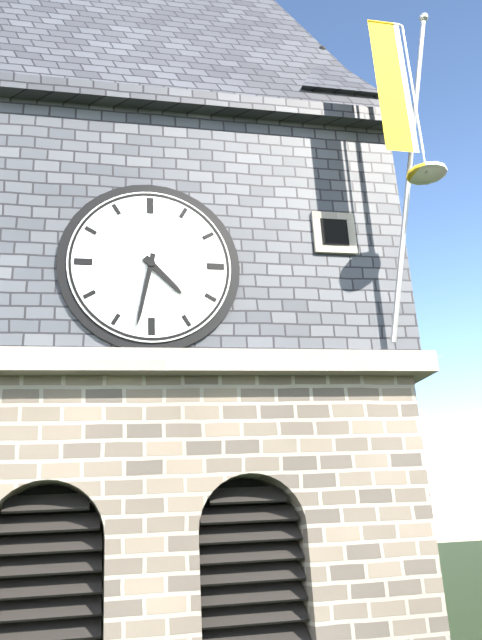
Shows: 4:32
